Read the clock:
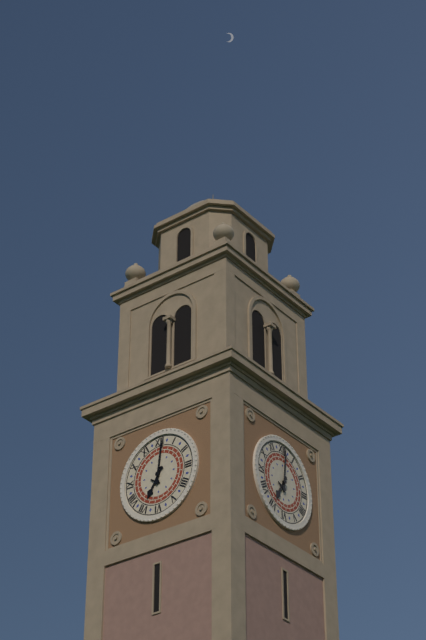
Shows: 7:01
